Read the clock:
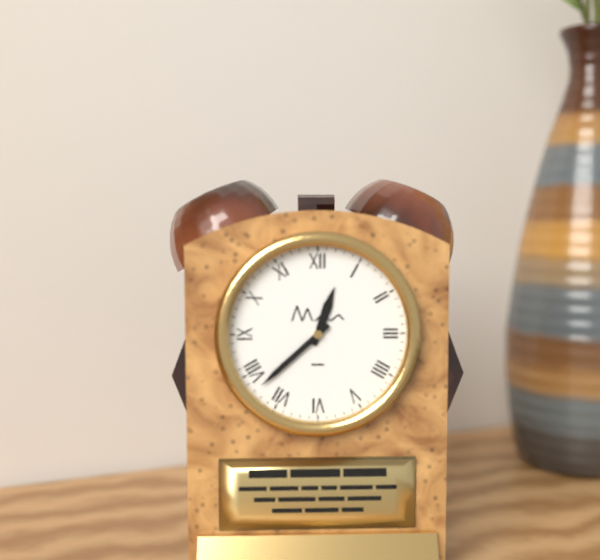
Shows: 12:38
